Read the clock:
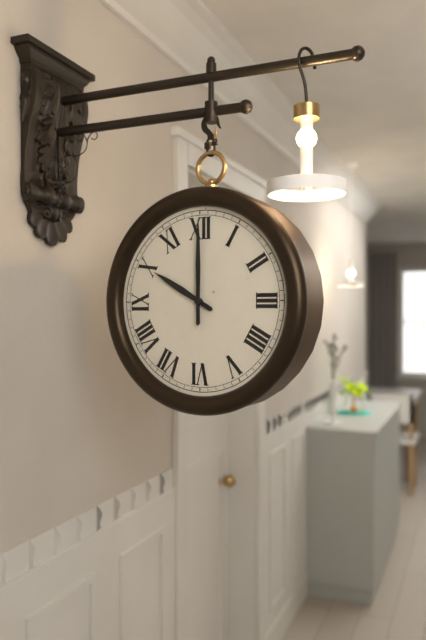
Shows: 10:00
